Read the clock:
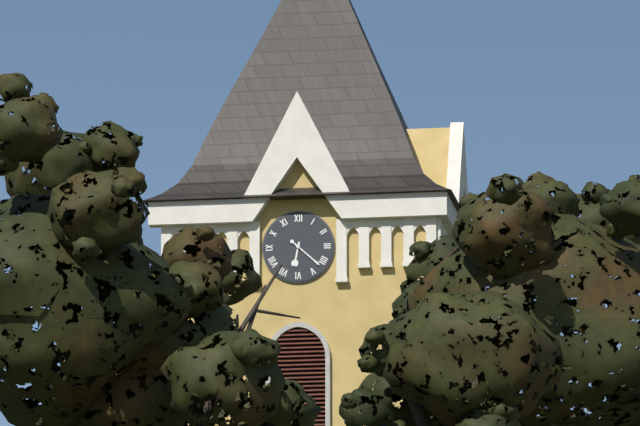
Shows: 6:22
